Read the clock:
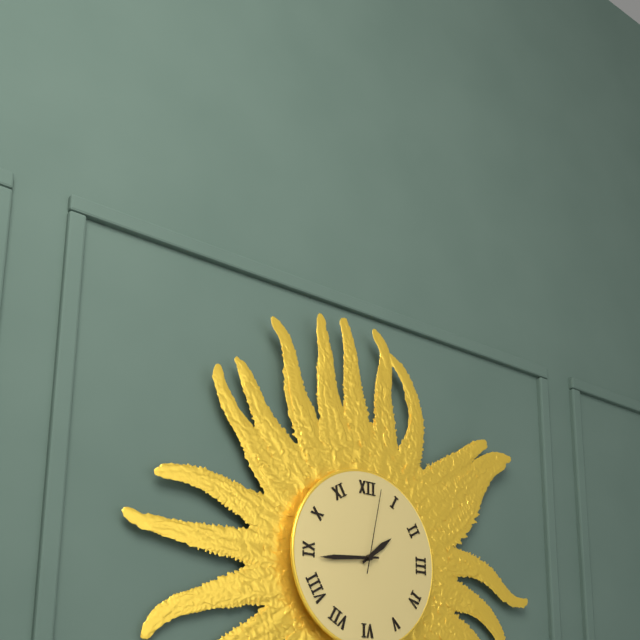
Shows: 1:44:02
